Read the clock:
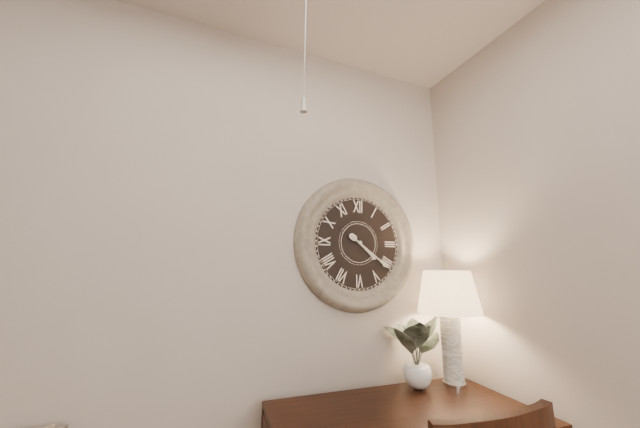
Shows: 4:21
